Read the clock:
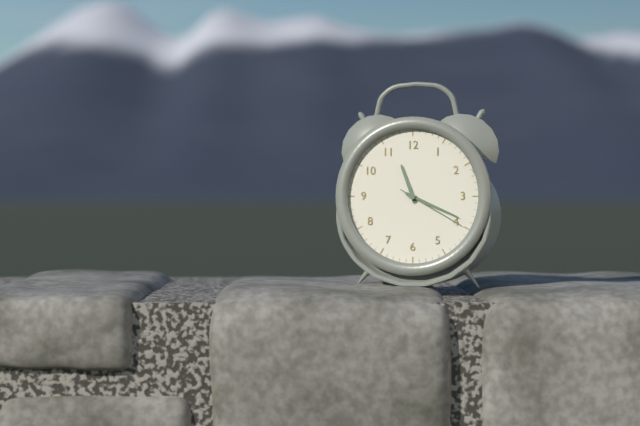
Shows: 11:19:20
